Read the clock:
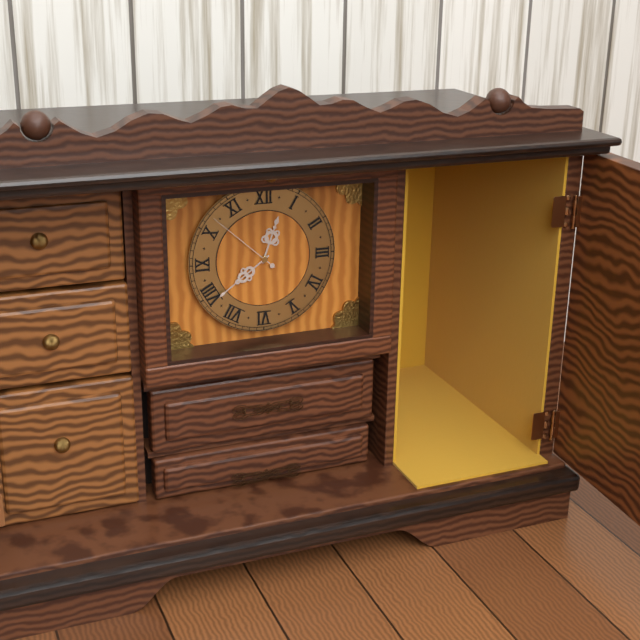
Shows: 12:39:52
